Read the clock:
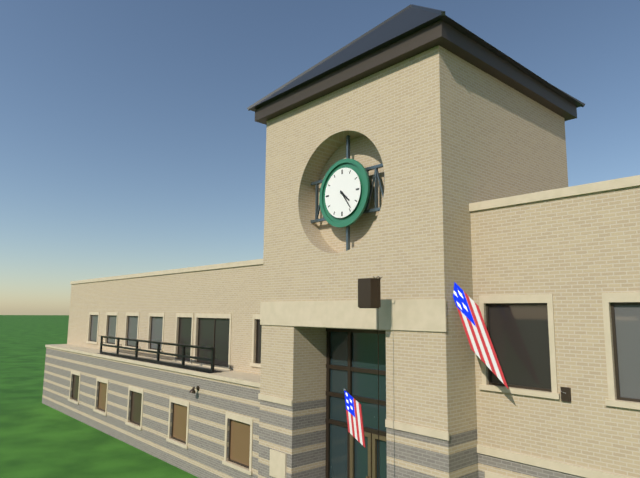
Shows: 4:24
